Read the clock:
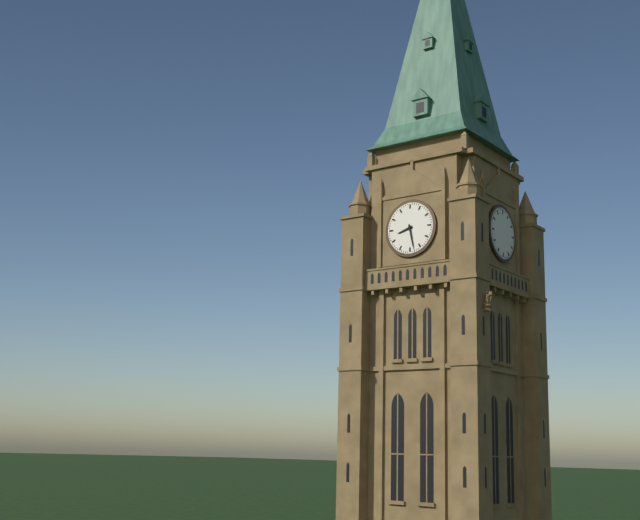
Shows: 8:28
